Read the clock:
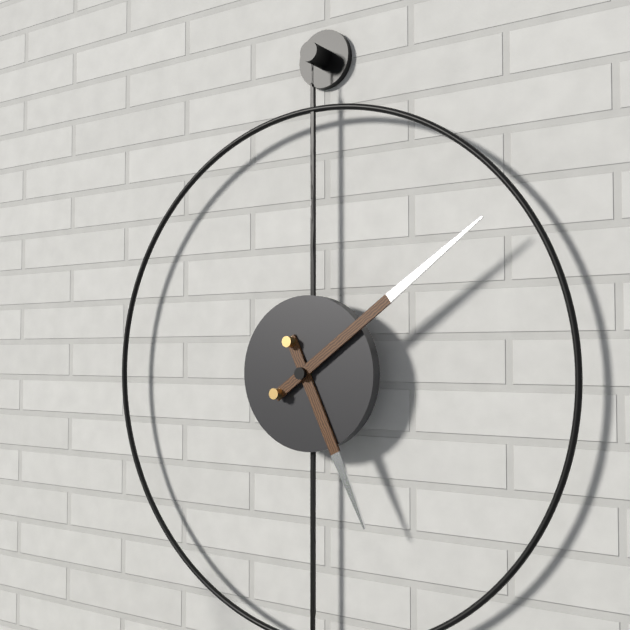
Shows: 5:09
